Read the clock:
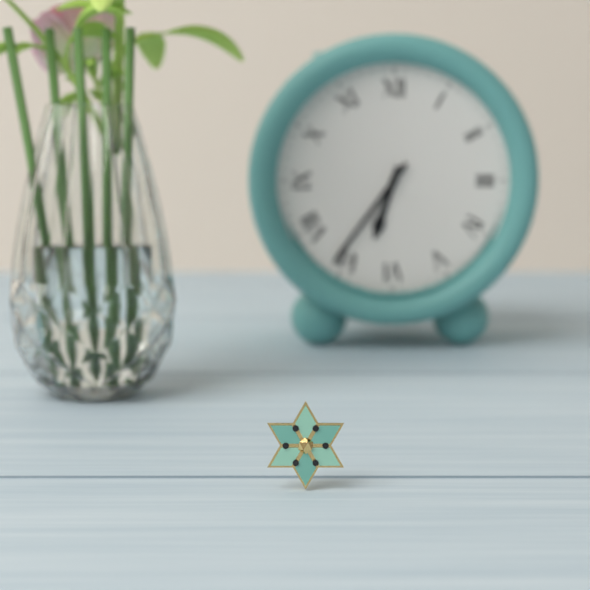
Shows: 6:36
